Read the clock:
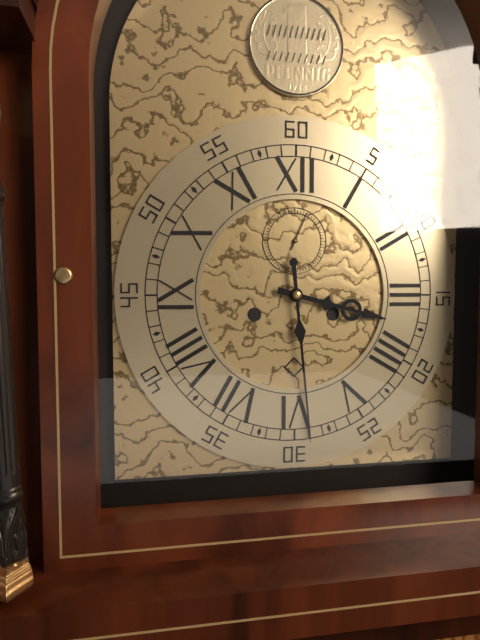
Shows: 3:29
